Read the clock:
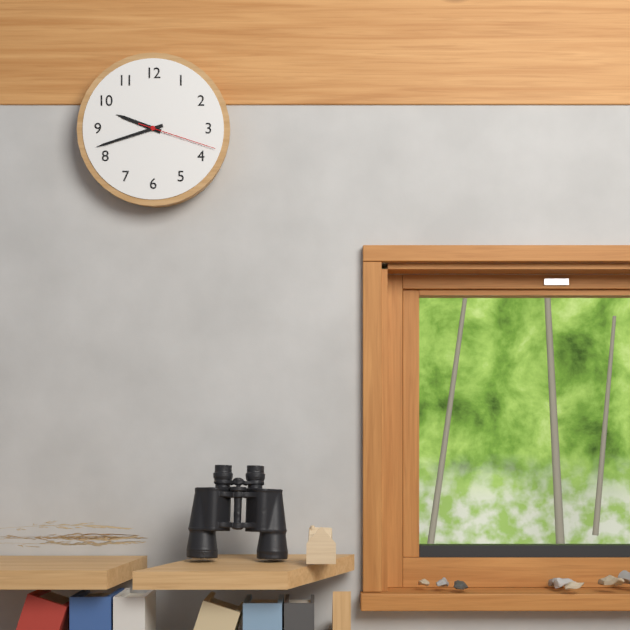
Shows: 9:42:18
